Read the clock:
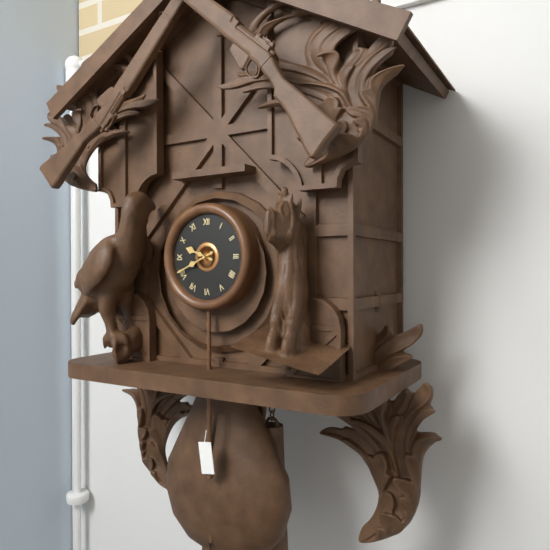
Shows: 9:41
